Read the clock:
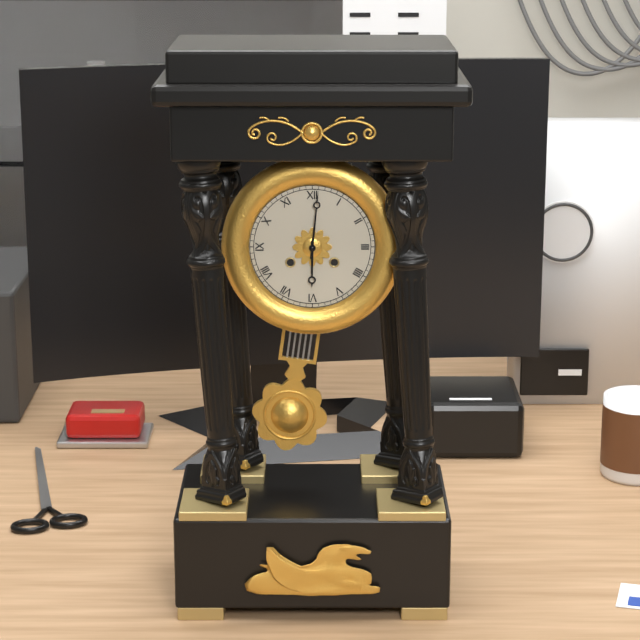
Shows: 6:01
